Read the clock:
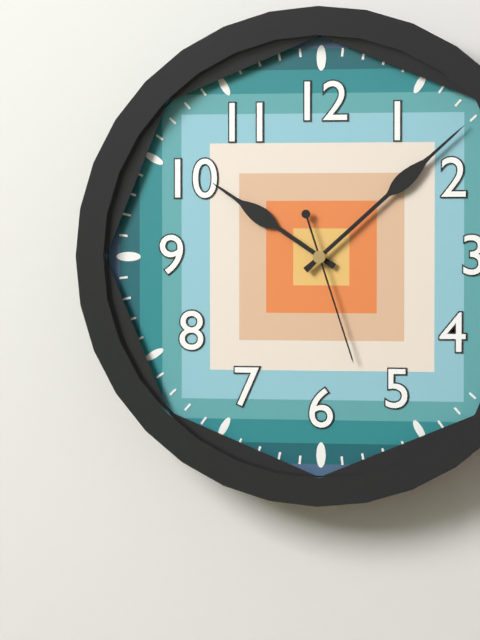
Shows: 10:08:27
